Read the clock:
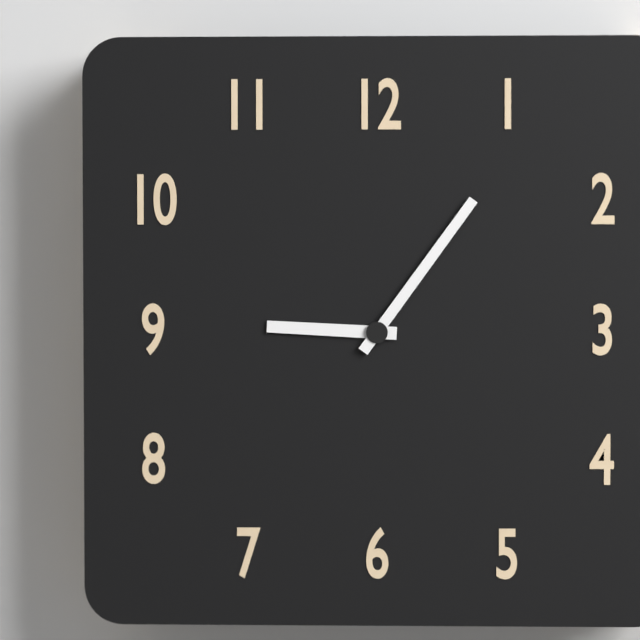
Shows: 9:06
